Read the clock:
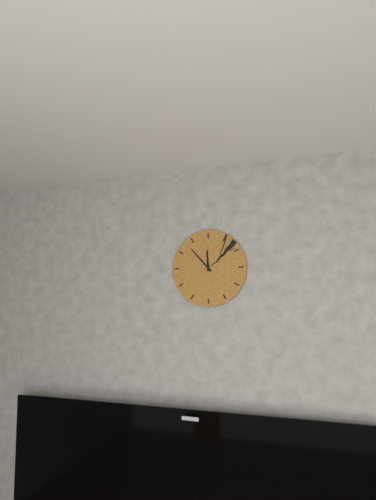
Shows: 11:53
